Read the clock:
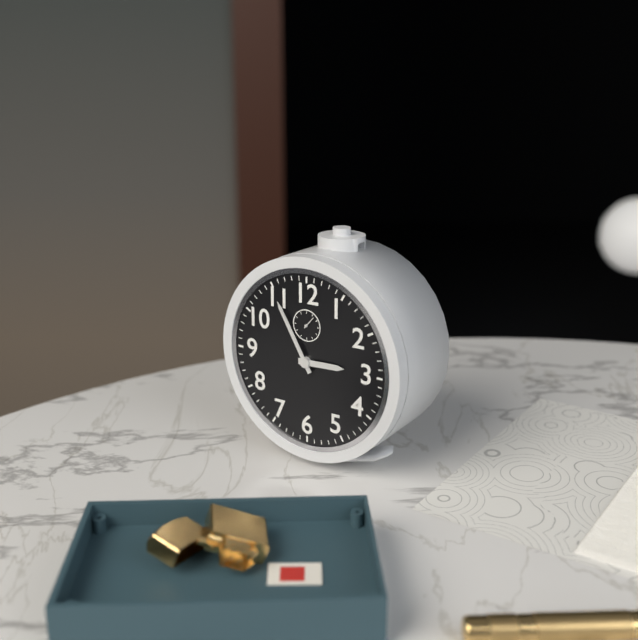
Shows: 2:55
